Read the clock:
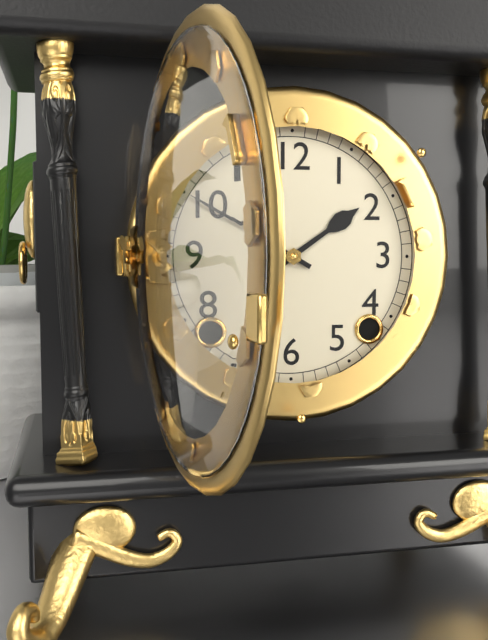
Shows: 1:50
